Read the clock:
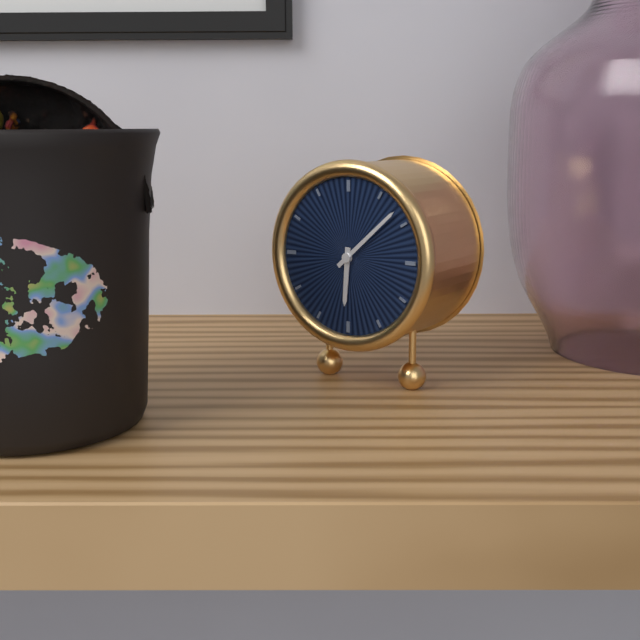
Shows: 6:08
